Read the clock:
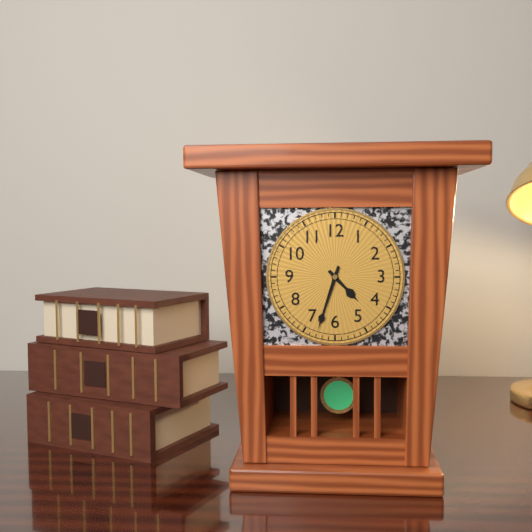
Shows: 4:33
